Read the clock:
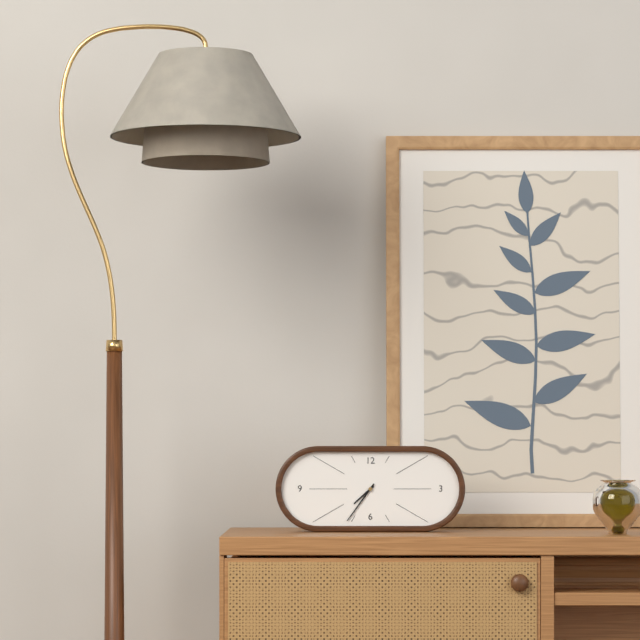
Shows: 7:36
